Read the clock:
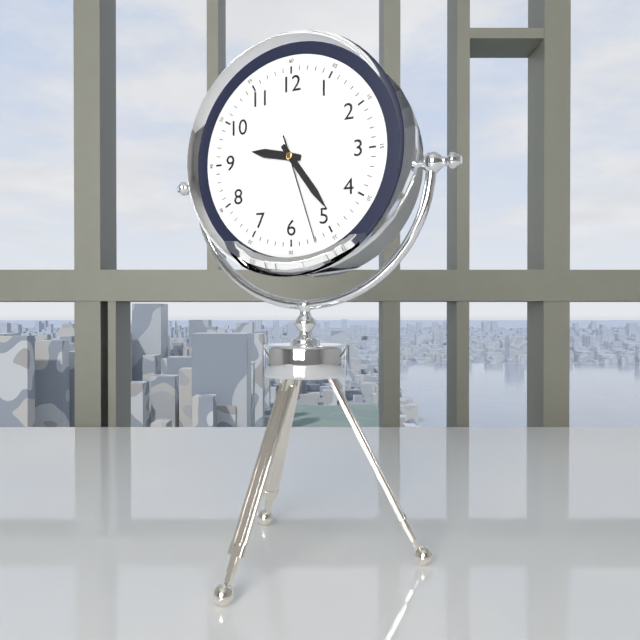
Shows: 9:24:27
